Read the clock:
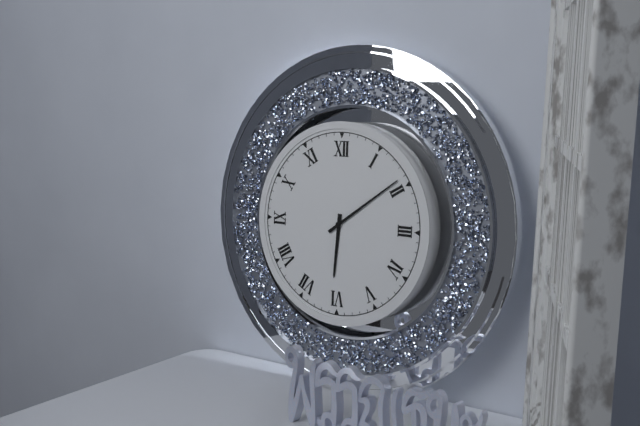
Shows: 6:09
